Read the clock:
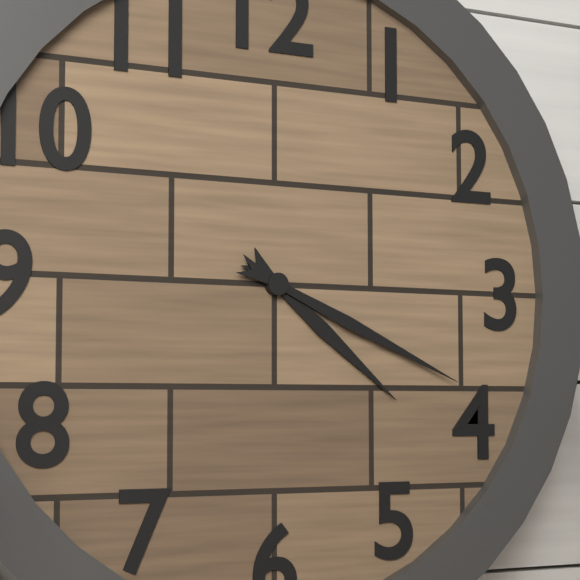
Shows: 4:19
